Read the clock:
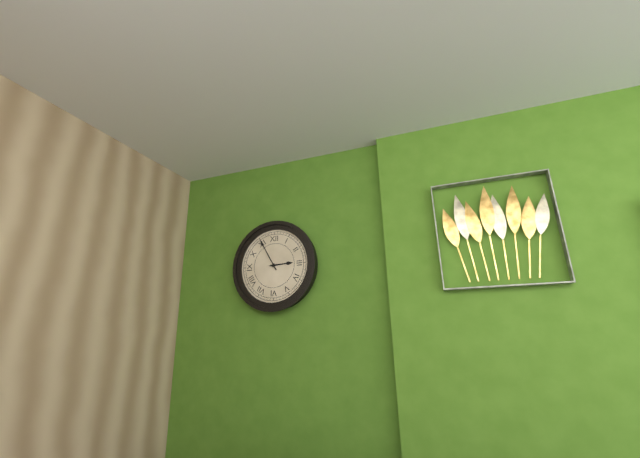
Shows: 2:55
